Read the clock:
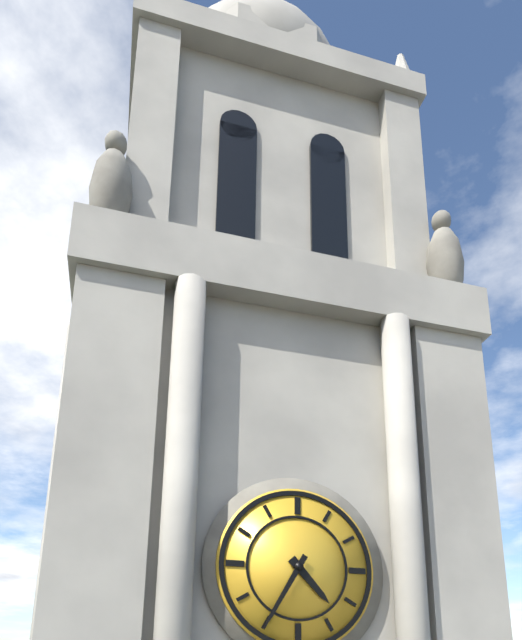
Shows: 4:35
